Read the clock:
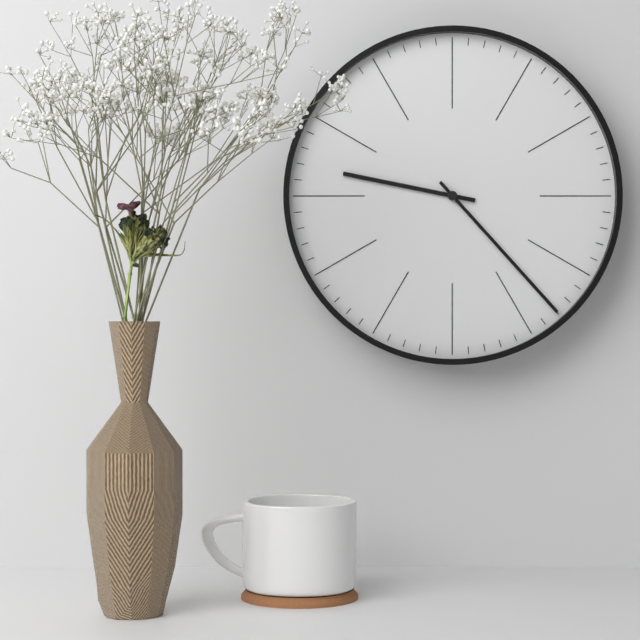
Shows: 9:23
